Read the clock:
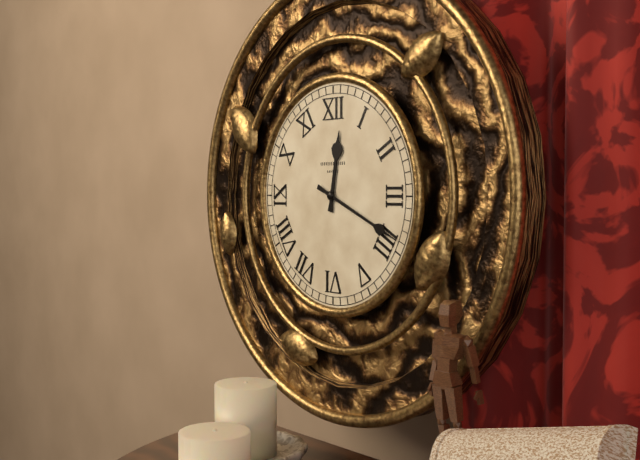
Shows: 12:19
